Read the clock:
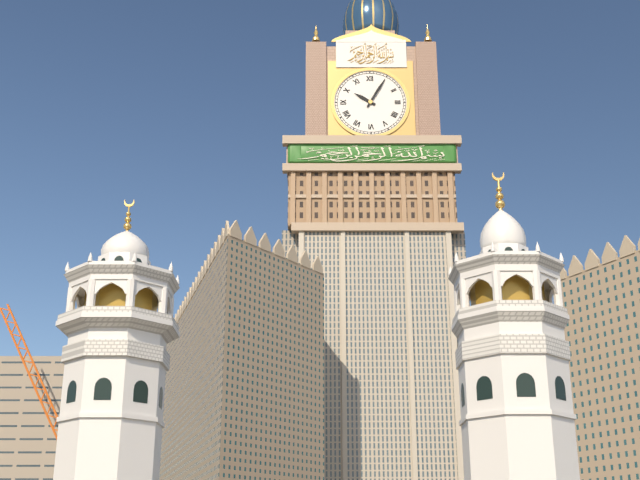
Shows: 10:05
